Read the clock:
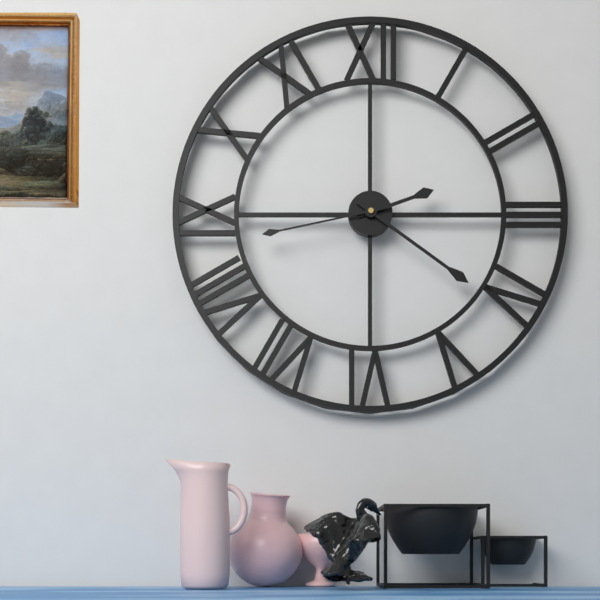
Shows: 2:21:43
